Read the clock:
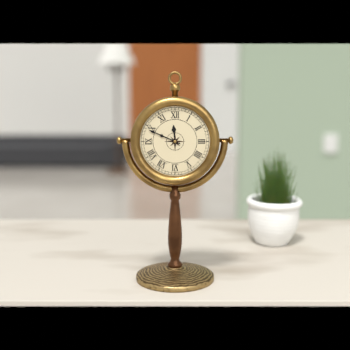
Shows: 11:49
